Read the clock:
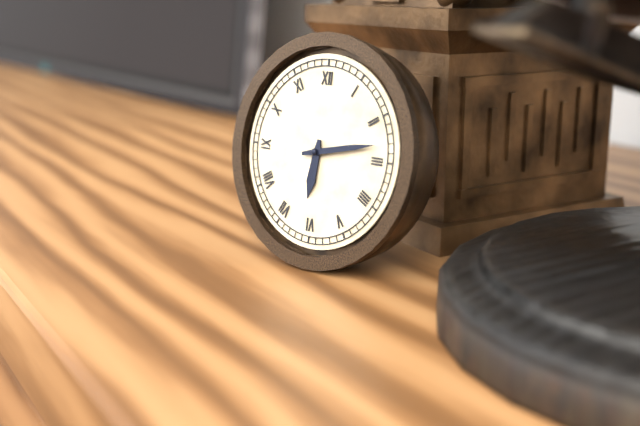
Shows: 6:13
